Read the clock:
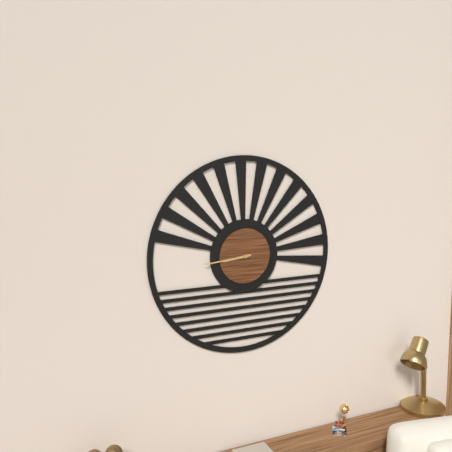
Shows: 8:44
